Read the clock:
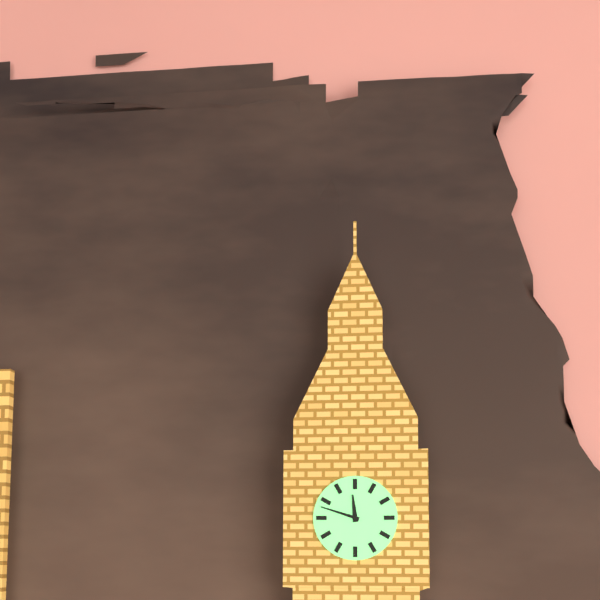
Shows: 11:48
